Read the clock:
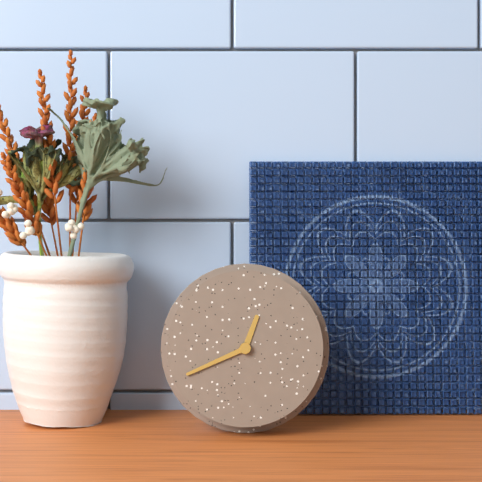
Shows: 12:41
